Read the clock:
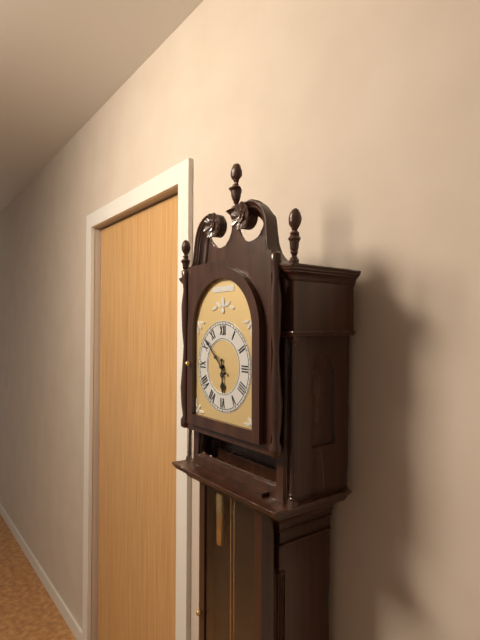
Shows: 5:52
